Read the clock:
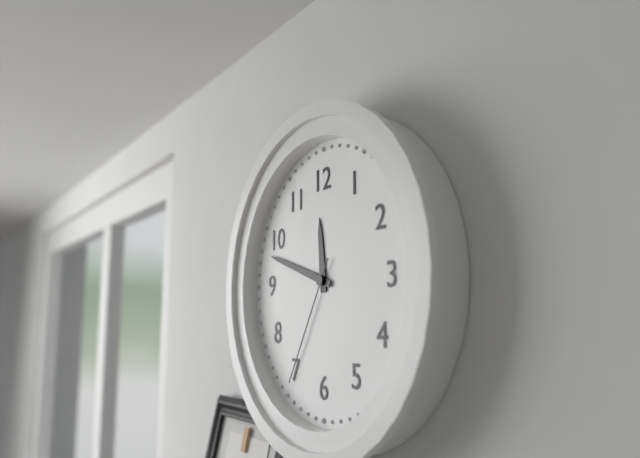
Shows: 11:48:35
